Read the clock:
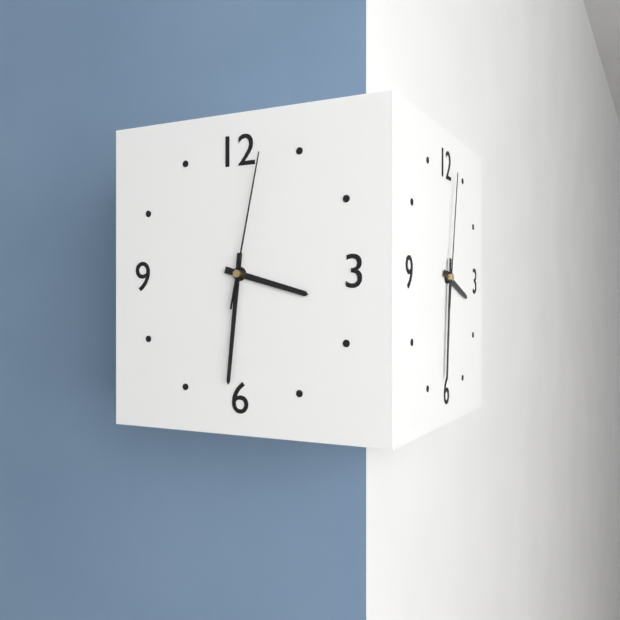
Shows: 3:31:02
